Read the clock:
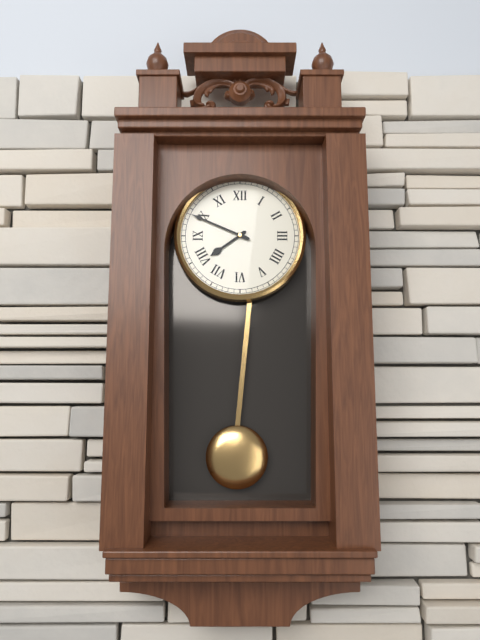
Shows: 7:49
